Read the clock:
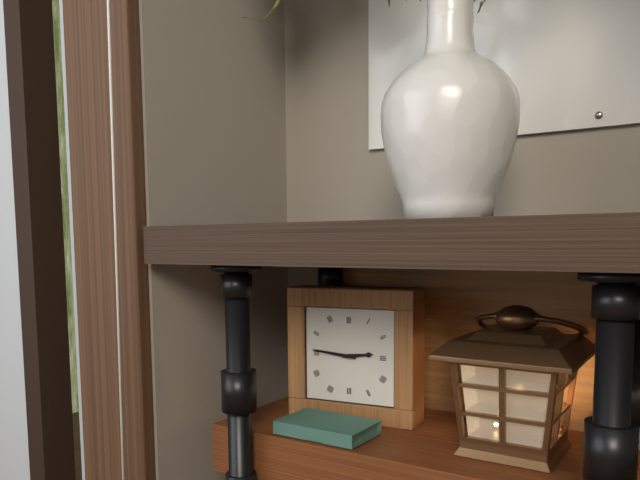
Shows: 2:46
